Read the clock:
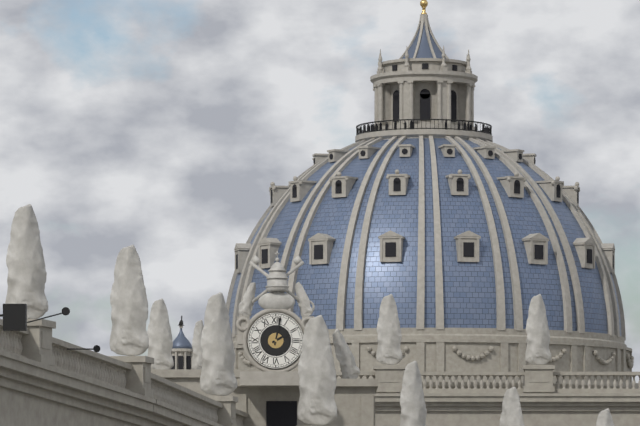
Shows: 2:02
